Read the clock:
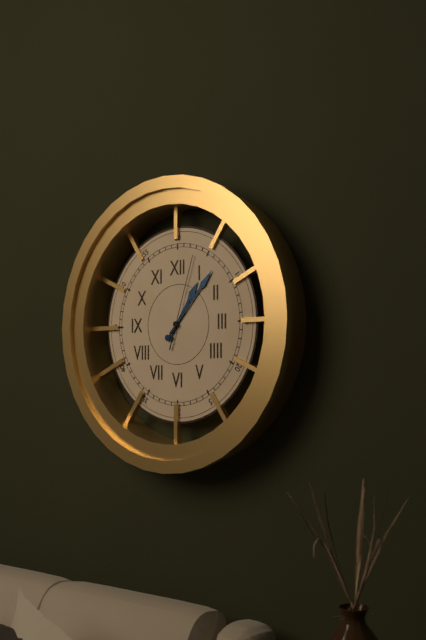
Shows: 1:07:03
